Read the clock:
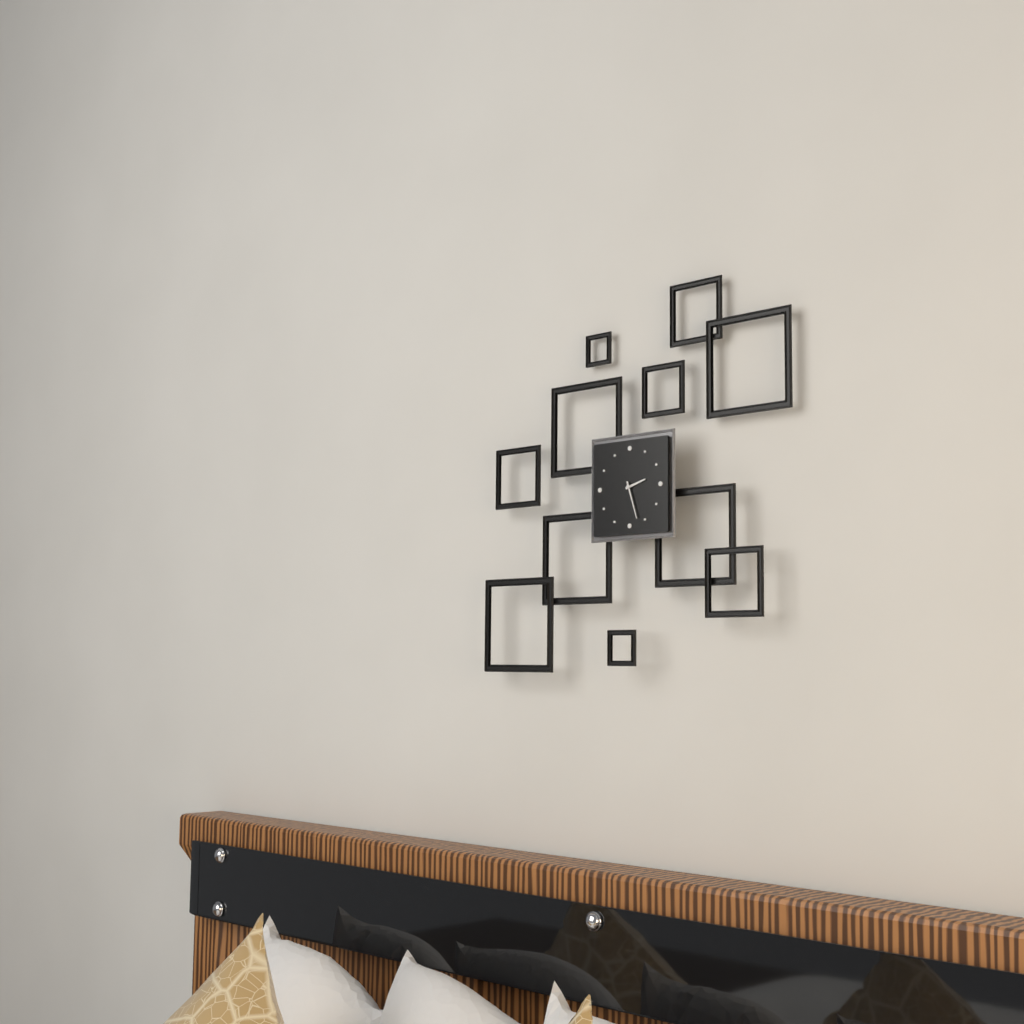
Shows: 2:27
